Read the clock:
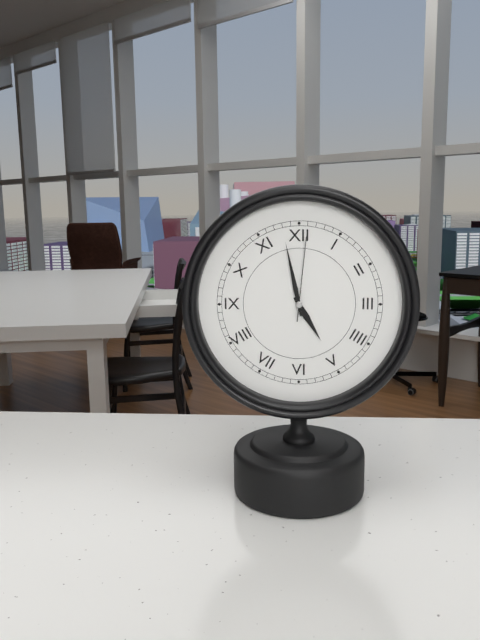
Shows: 4:58:01
